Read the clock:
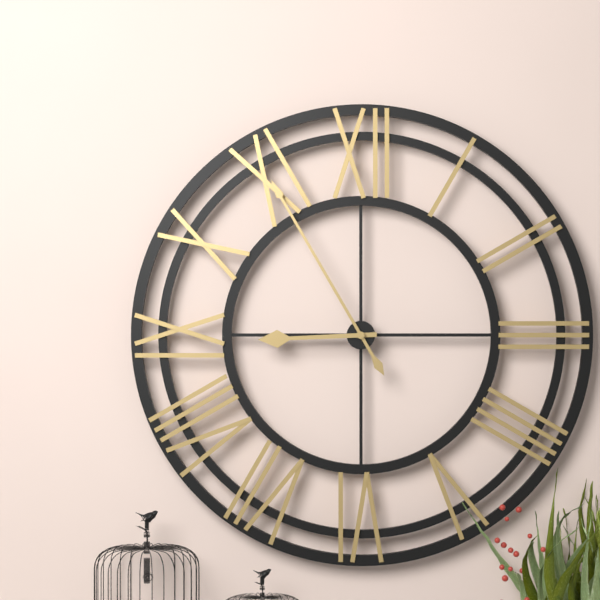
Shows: 8:55
